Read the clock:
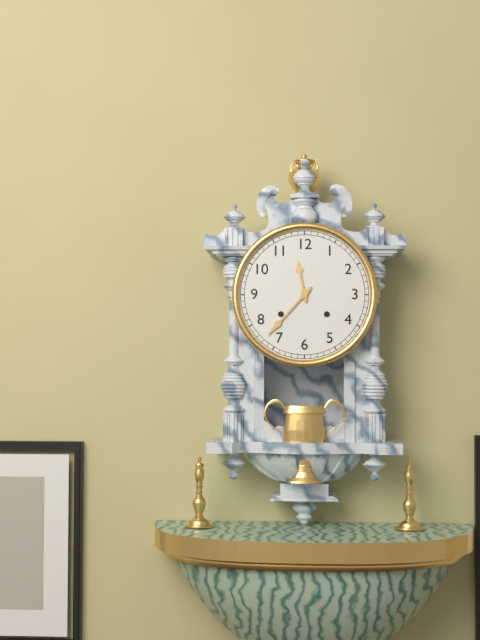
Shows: 11:37
